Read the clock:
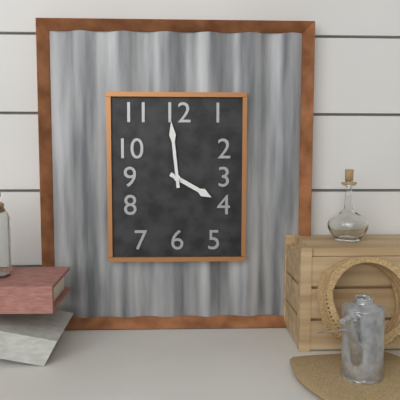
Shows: 3:59
